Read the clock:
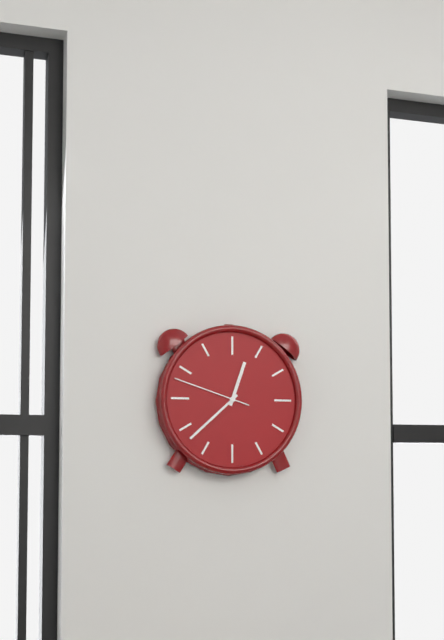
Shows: 12:38:48
